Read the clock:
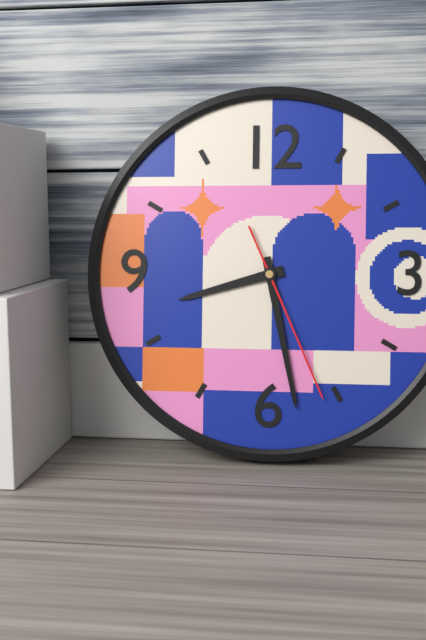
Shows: 8:28:26
